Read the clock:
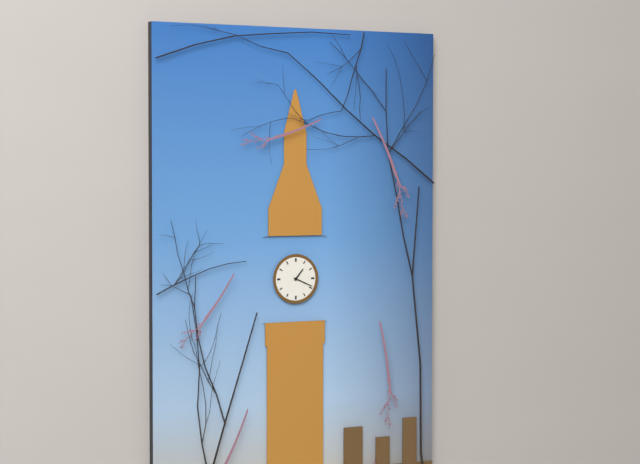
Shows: 1:19
